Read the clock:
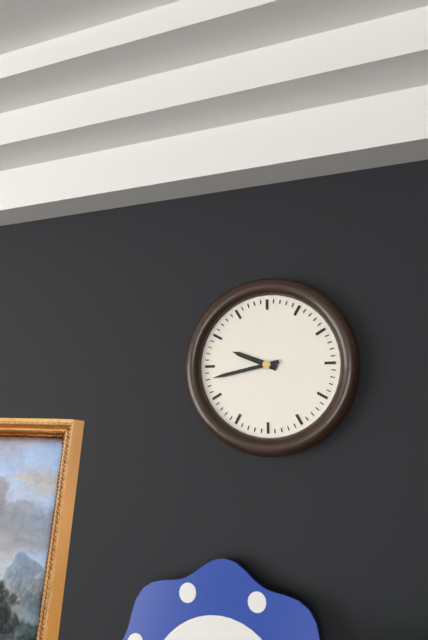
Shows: 9:43
